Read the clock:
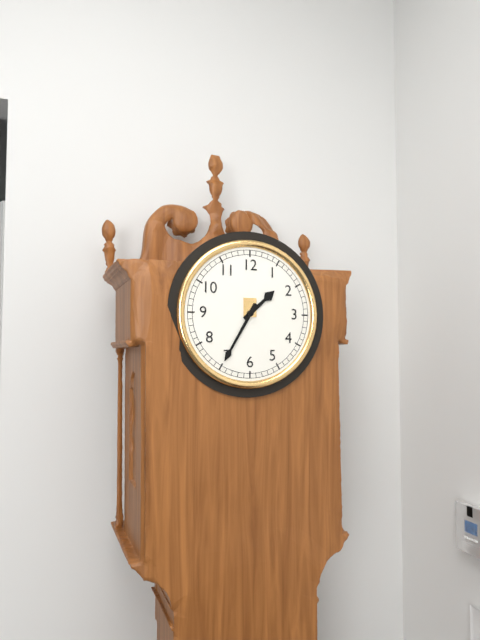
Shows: 1:35
